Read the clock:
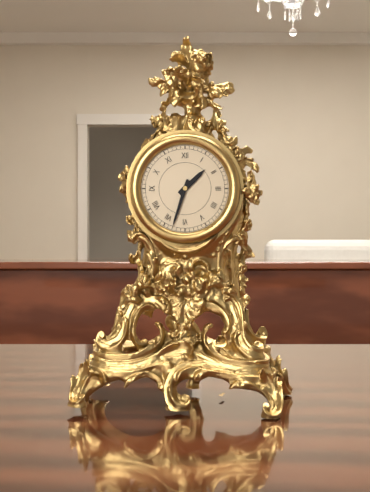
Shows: 1:33
